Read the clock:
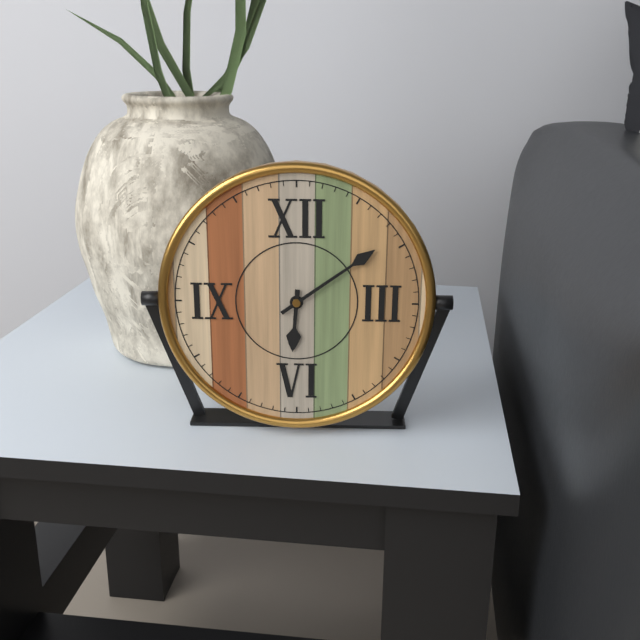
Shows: 6:09
